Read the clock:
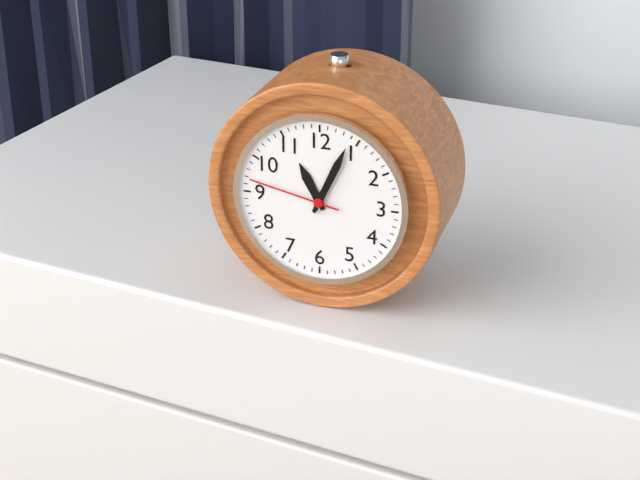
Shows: 11:04:47
